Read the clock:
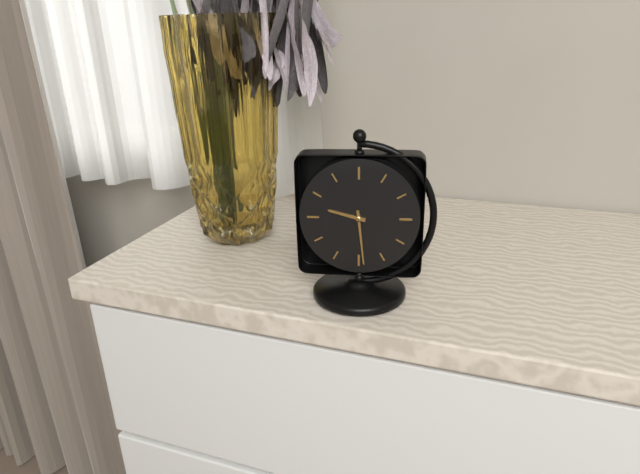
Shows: 9:29
